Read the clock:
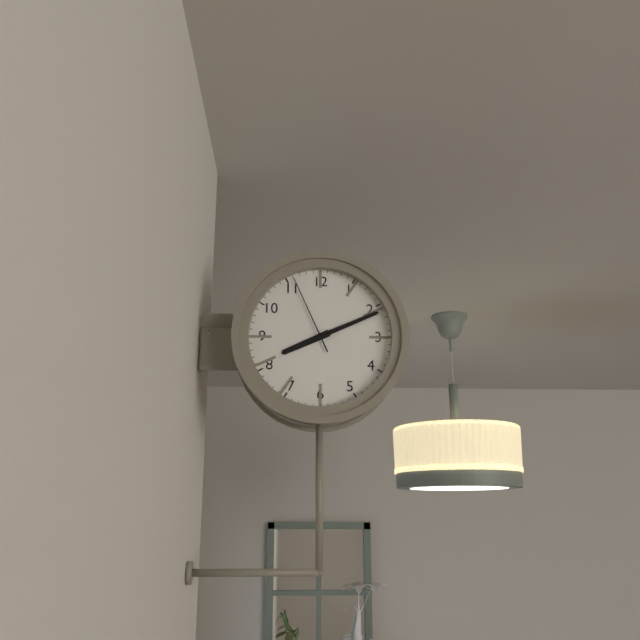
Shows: 8:11:56
